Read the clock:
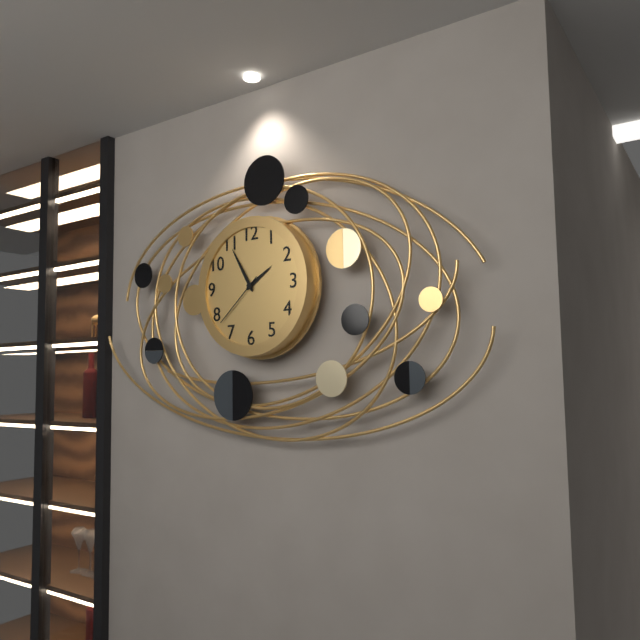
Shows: 1:55:38
